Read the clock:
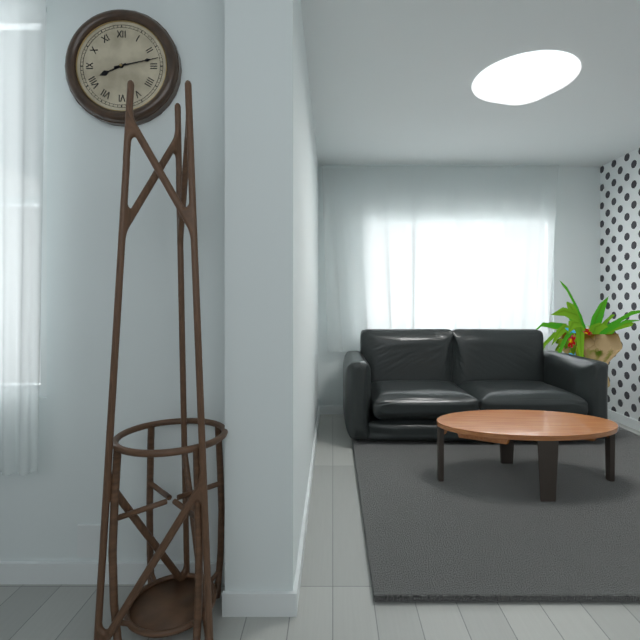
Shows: 8:13
